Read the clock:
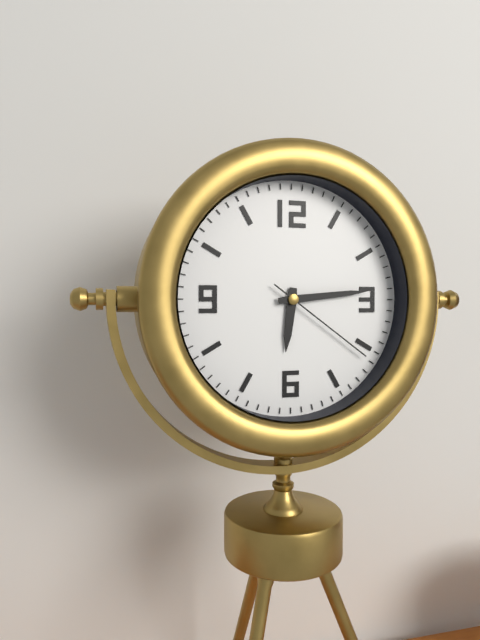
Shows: 6:14:21
